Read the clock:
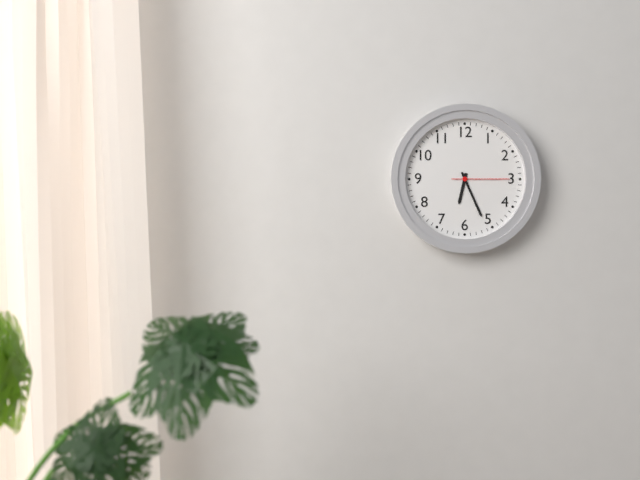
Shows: 6:26:15
